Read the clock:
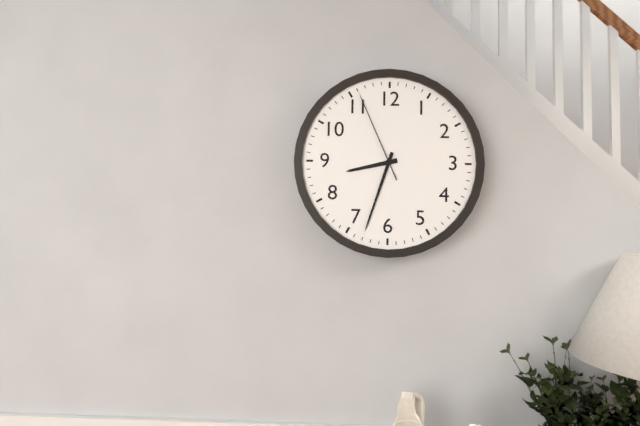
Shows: 8:33:56
